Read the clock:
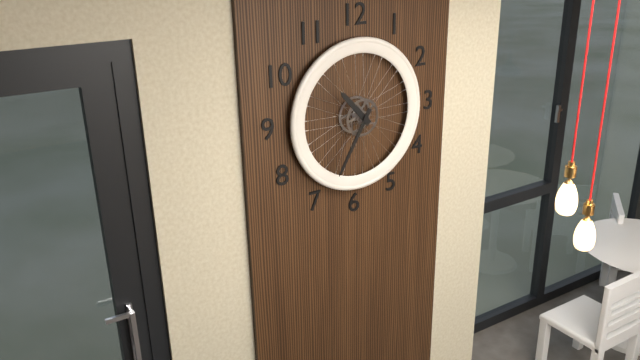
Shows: 10:35
